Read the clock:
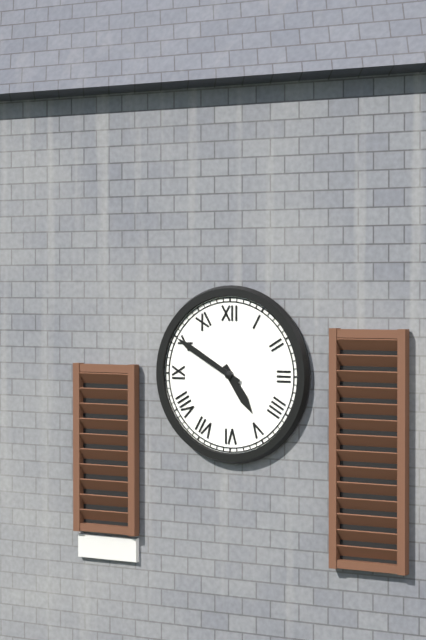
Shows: 4:50
